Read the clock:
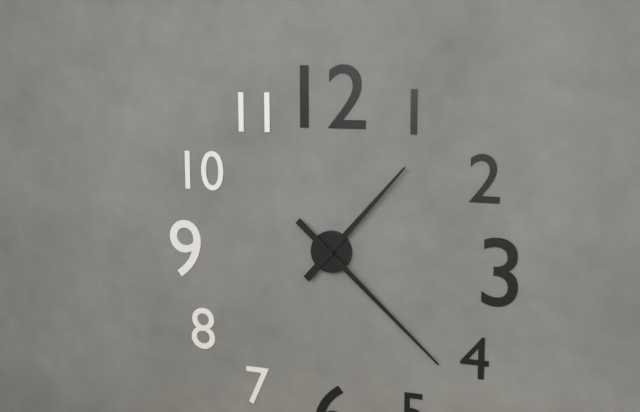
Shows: 1:22
